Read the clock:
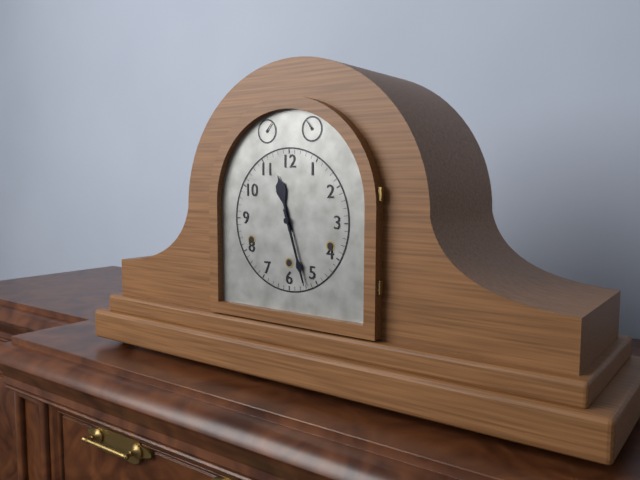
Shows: 11:27
